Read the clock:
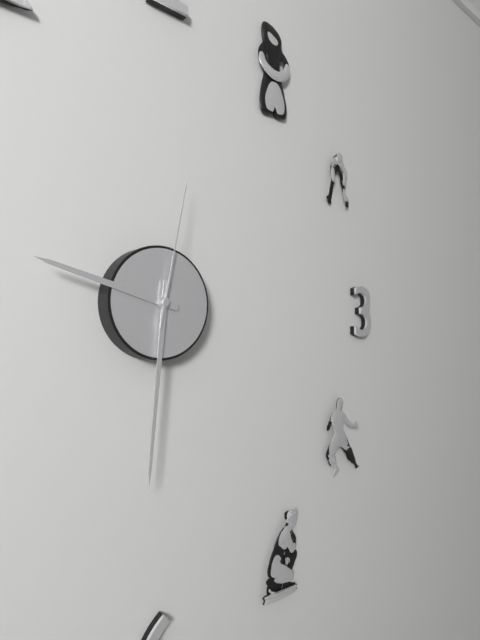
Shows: 9:31:02
